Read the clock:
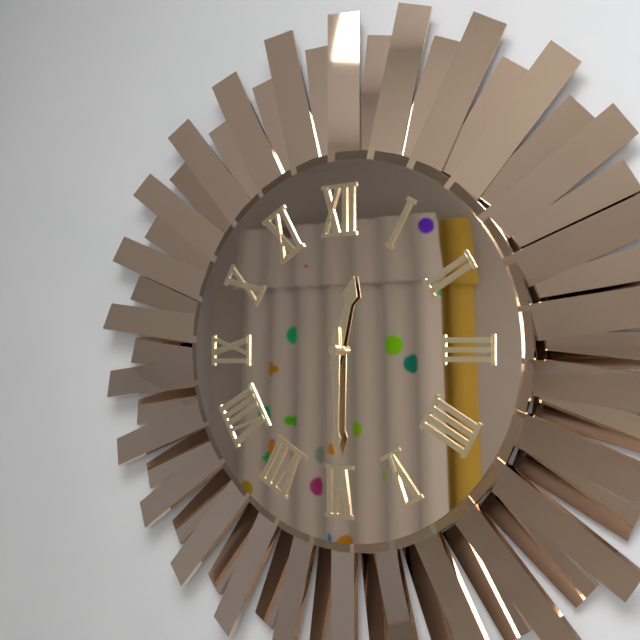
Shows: 12:30
